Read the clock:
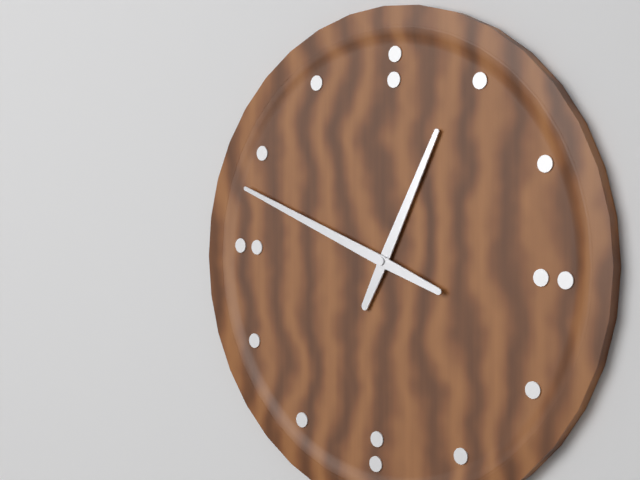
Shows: 12:48
